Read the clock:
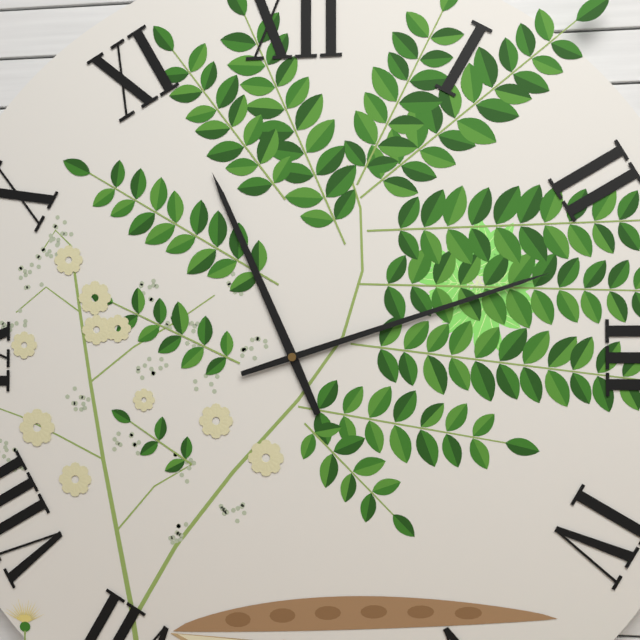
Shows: 11:12
